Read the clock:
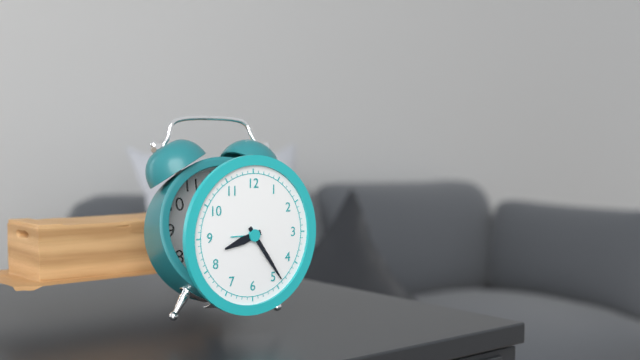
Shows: 8:24
